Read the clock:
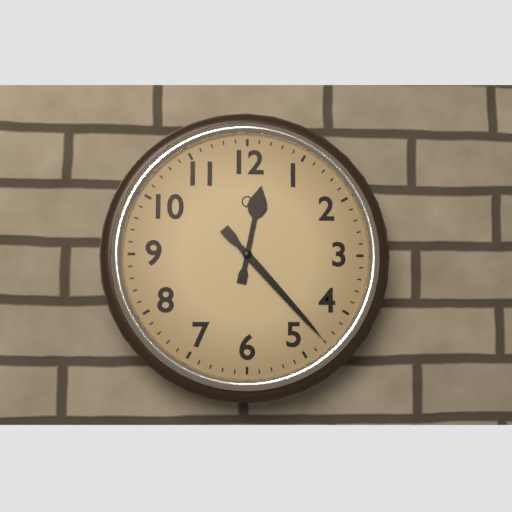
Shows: 12:23
